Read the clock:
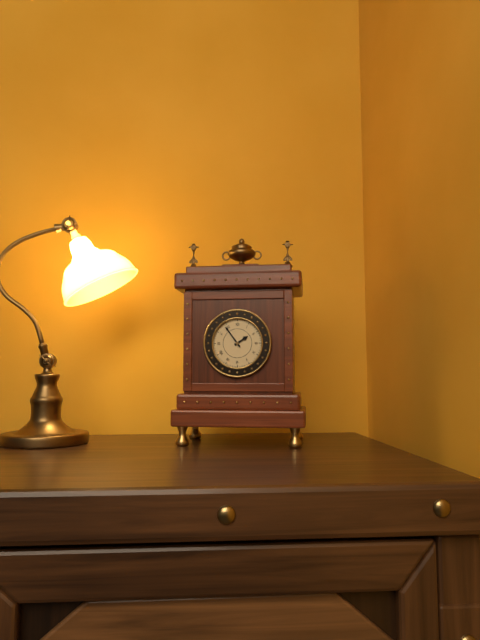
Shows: 1:54
